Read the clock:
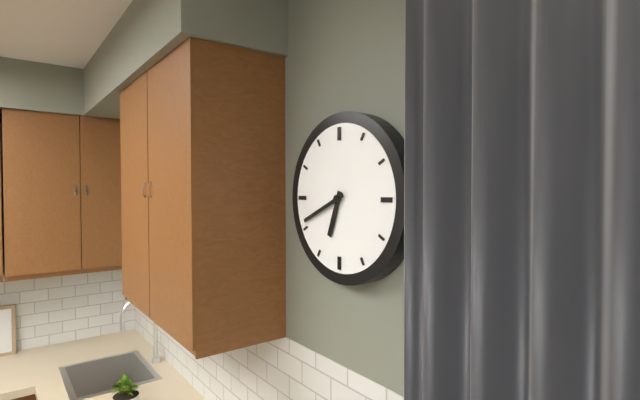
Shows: 6:41
